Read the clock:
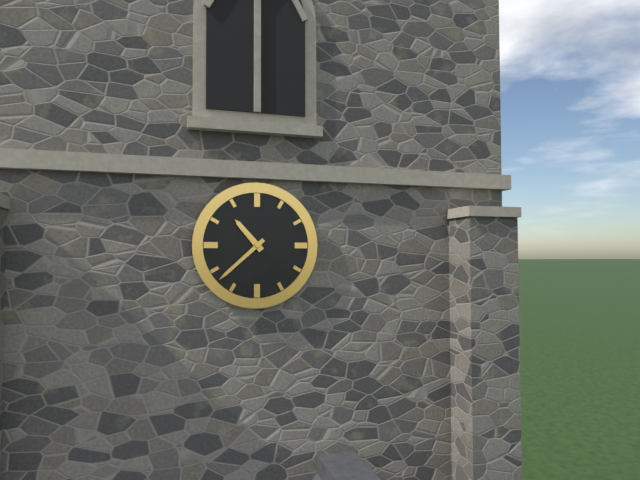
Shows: 10:38
